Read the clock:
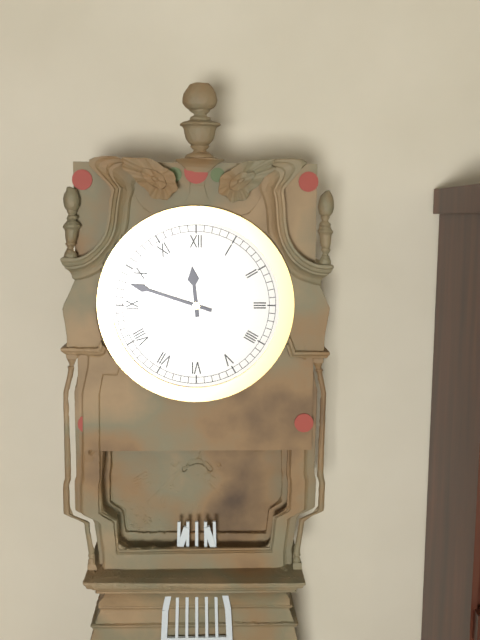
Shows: 11:48
